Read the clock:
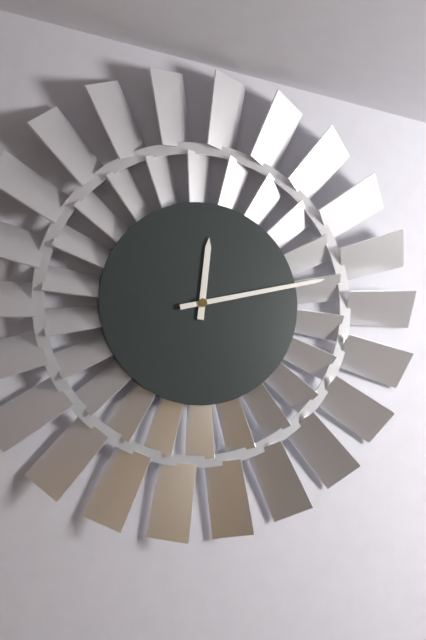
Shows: 12:13
